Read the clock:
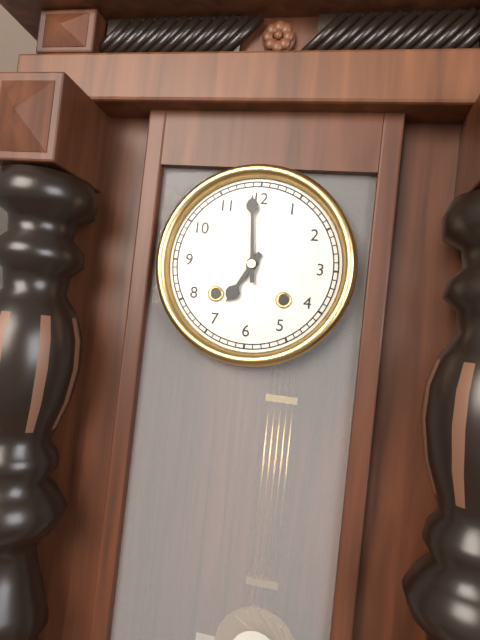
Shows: 6:59
